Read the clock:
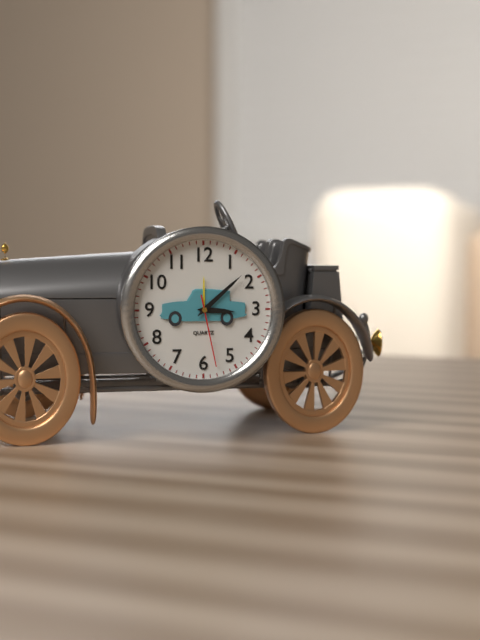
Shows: 3:08:28
